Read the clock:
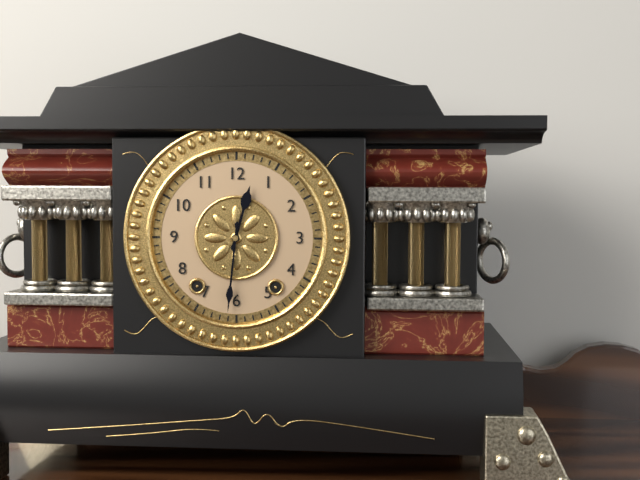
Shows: 12:31
